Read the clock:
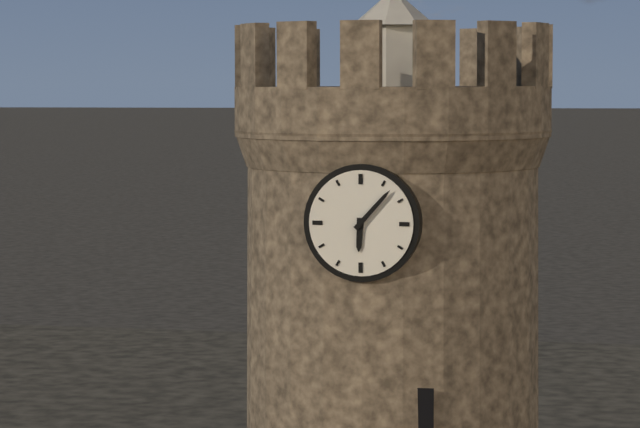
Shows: 6:07
